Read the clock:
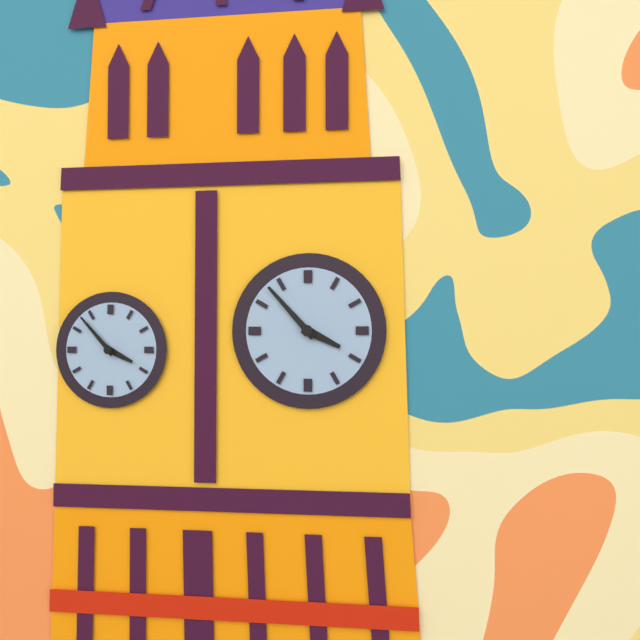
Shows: 3:53
